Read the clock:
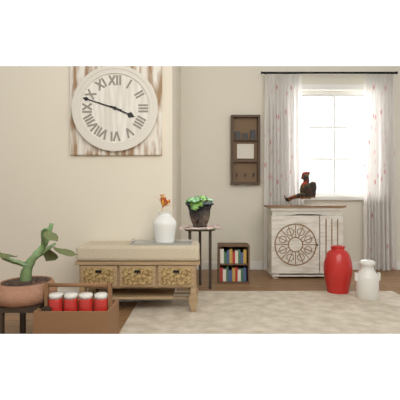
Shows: 3:48
